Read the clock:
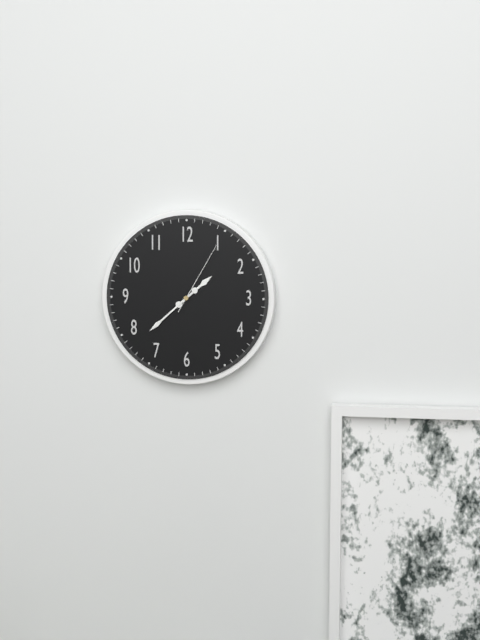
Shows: 1:38:05
